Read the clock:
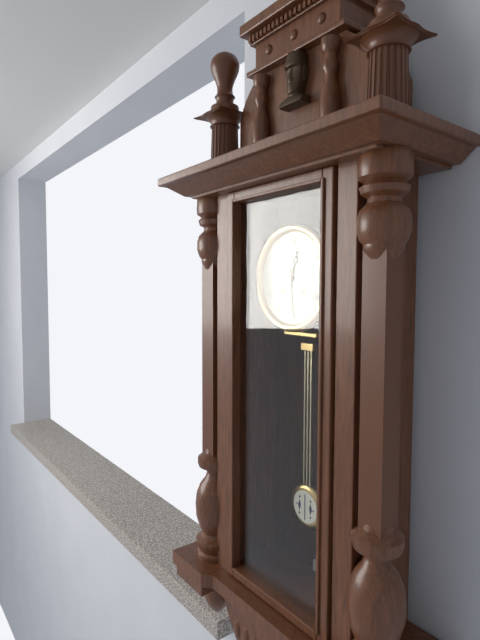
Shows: 12:29
